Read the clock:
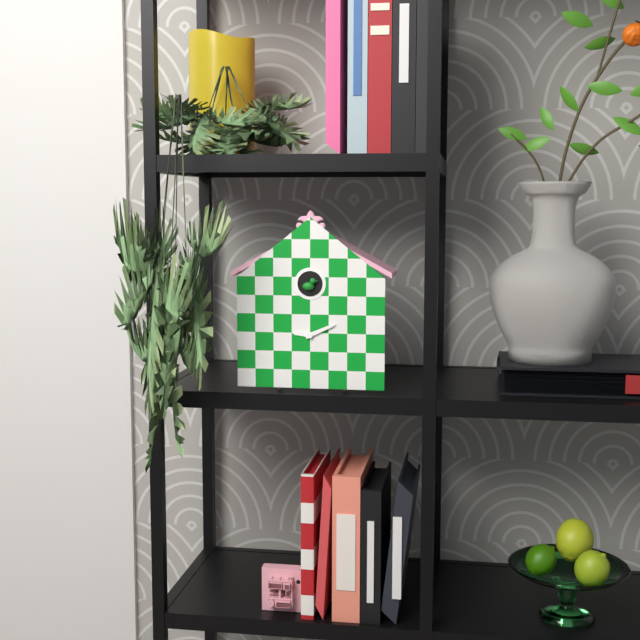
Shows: 9:11
